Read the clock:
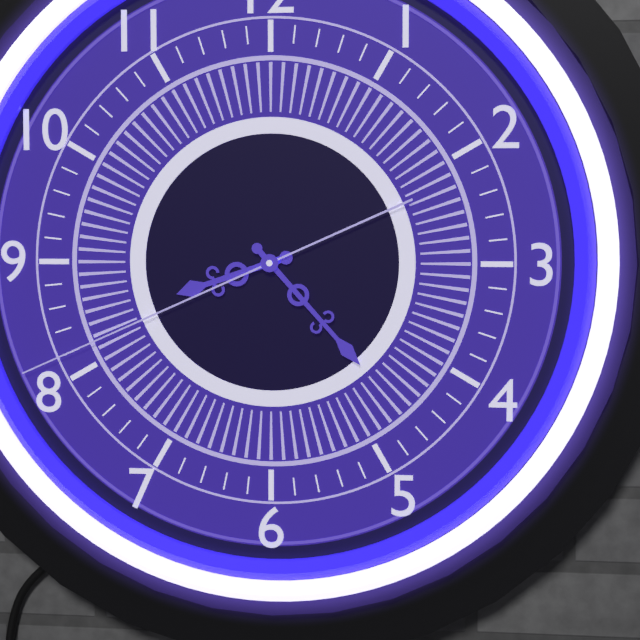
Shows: 8:23:41
